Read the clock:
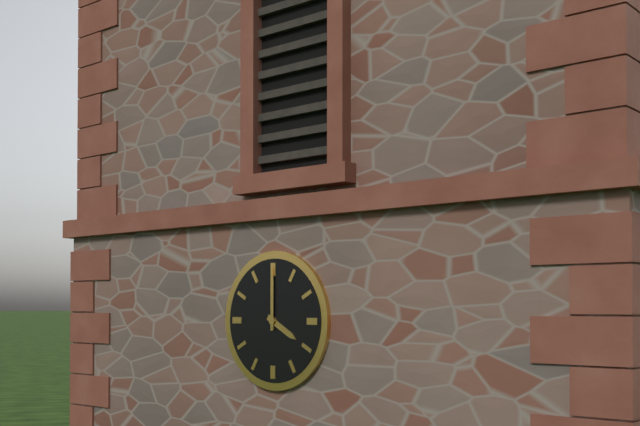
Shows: 4:00
